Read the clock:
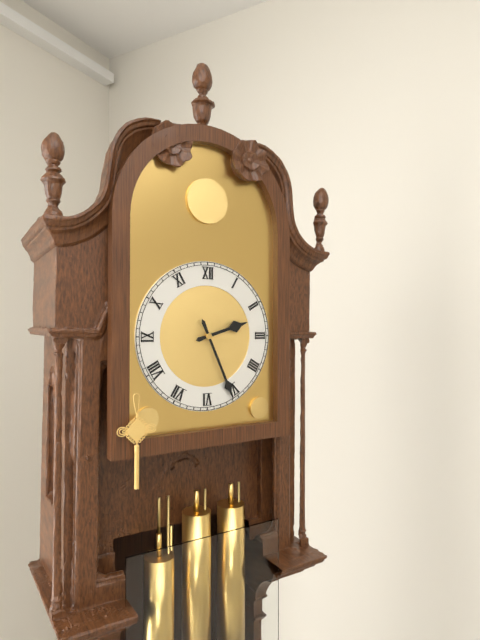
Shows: 2:26
